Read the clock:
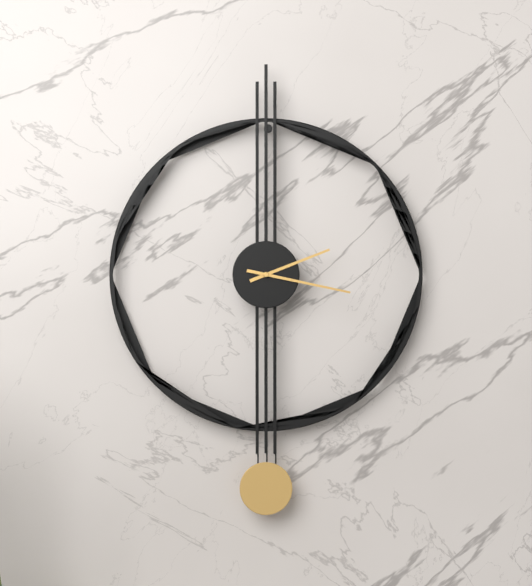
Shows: 2:17
